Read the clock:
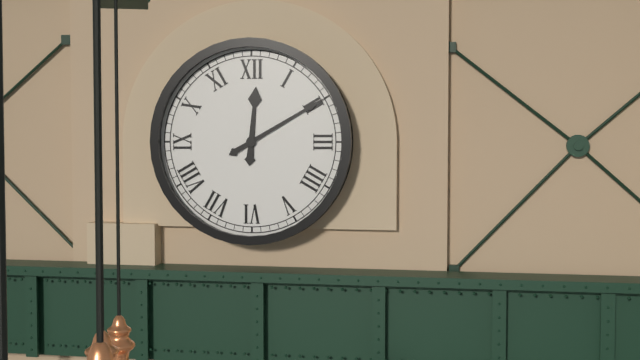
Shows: 12:10
